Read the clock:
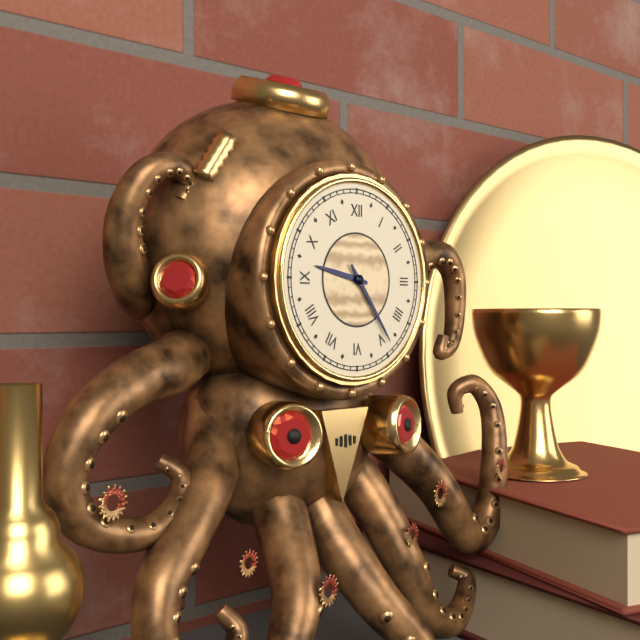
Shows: 9:24
